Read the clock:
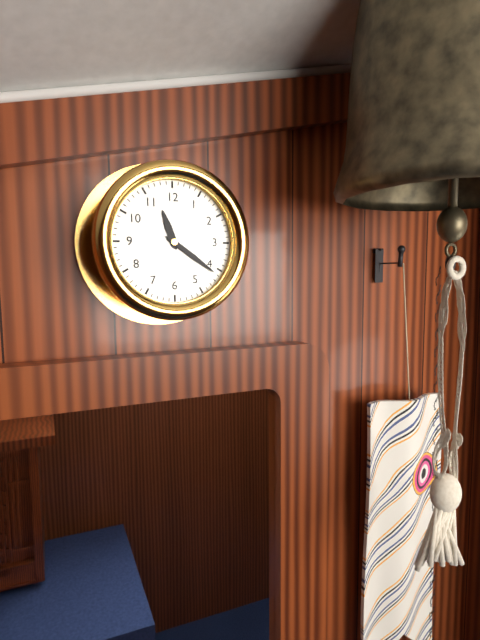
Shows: 11:21
